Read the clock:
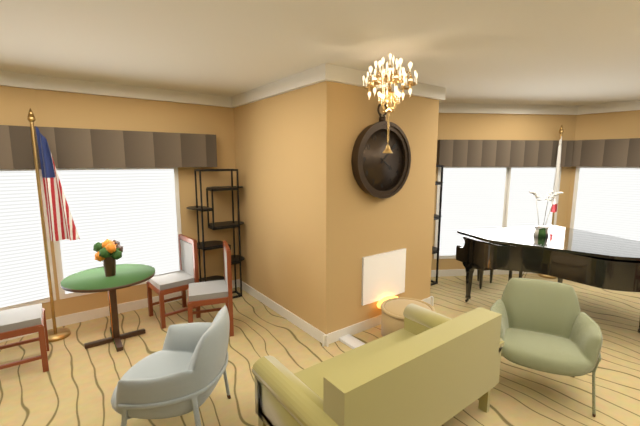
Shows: 4:08
